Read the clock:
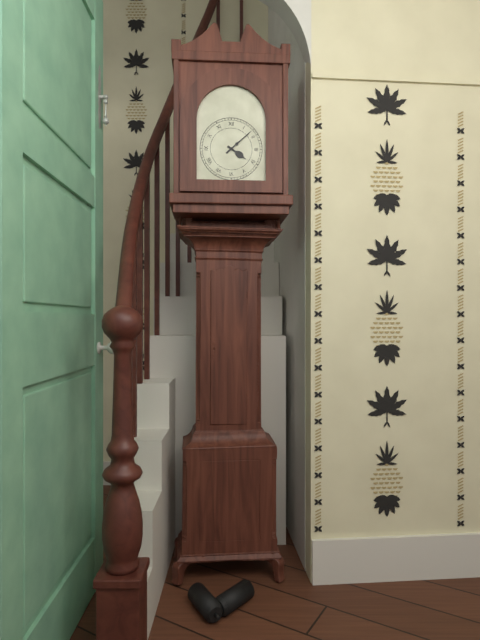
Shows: 4:08
